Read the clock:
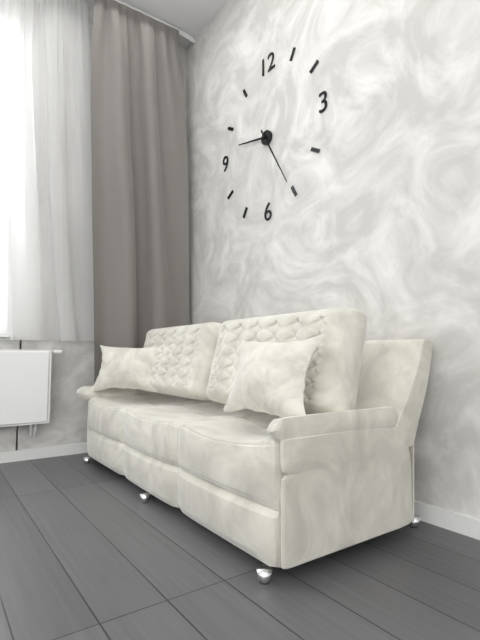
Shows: 9:25
